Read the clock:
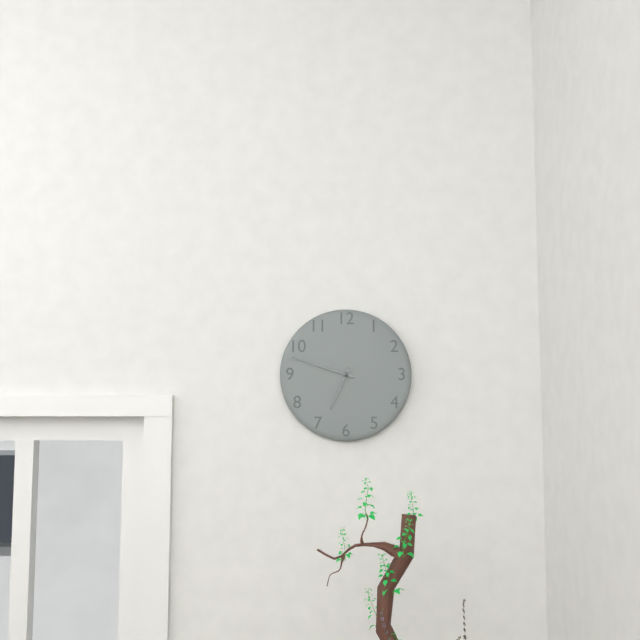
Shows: 6:48
